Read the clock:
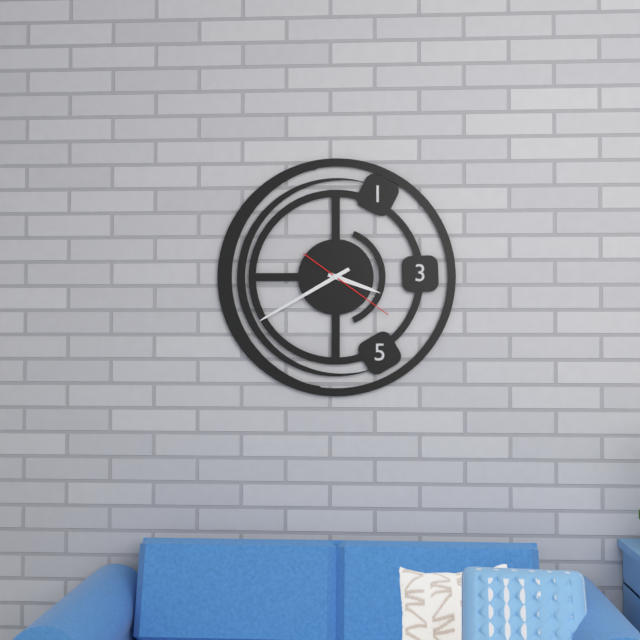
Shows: 3:40:21
